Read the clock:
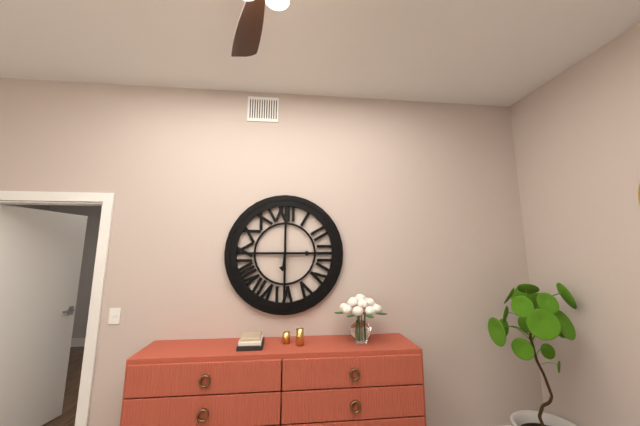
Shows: 6:15
